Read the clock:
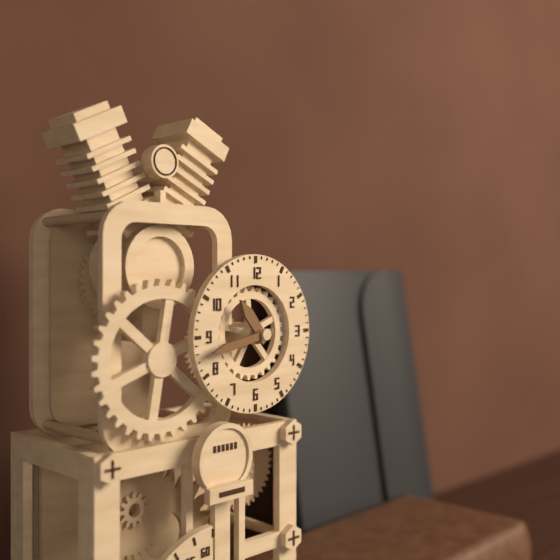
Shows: 10:43
